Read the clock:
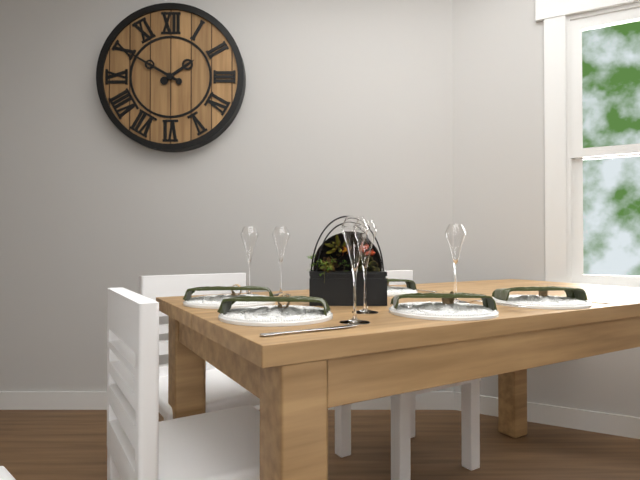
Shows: 1:50
